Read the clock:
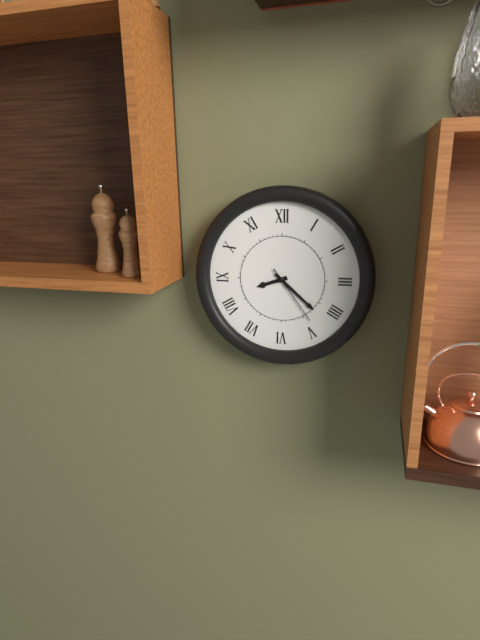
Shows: 8:22:24
